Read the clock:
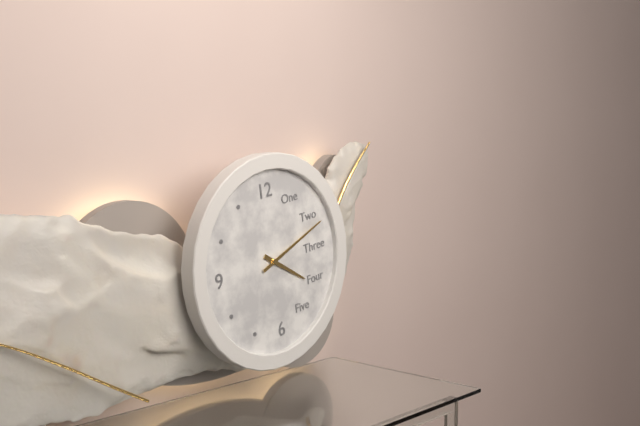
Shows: 4:12
